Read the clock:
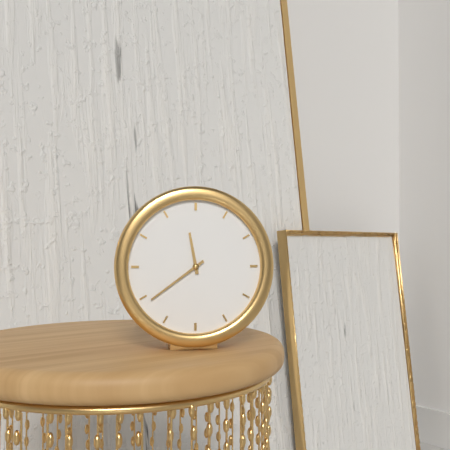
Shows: 11:39
